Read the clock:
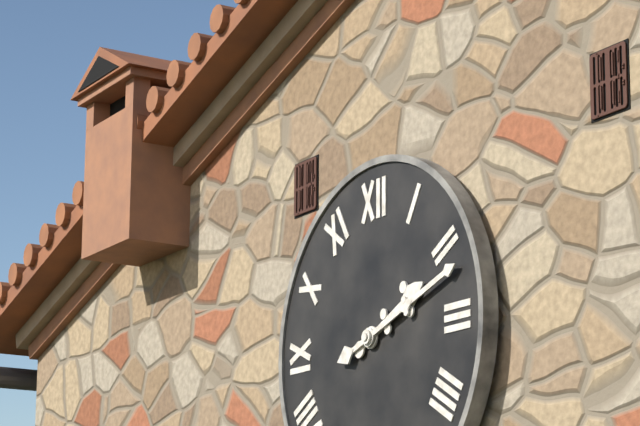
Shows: 2:12
